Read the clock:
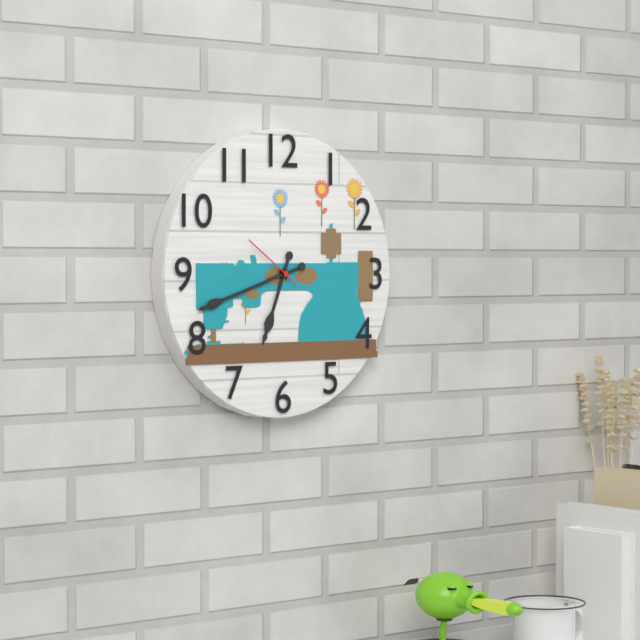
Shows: 6:42
